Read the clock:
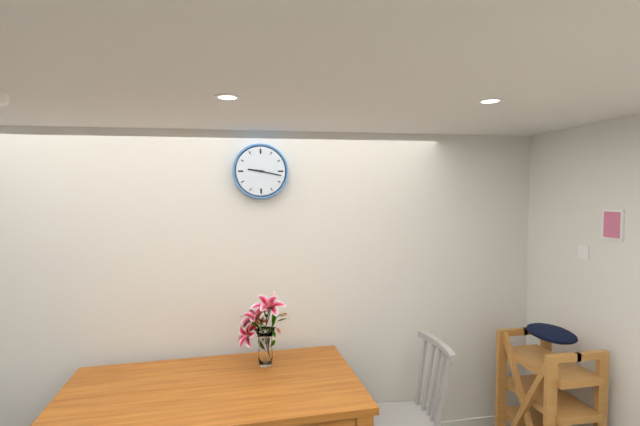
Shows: 9:17
